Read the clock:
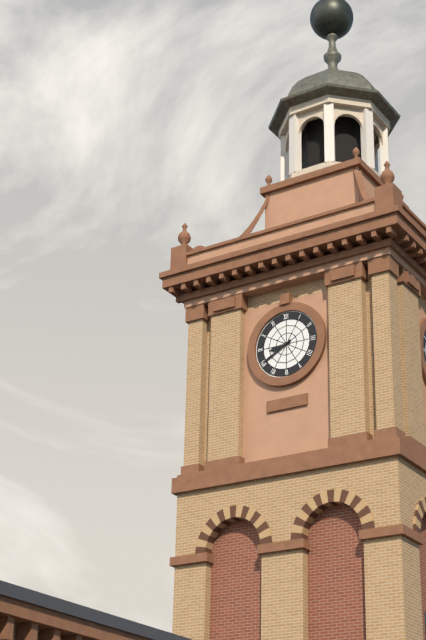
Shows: 8:40
